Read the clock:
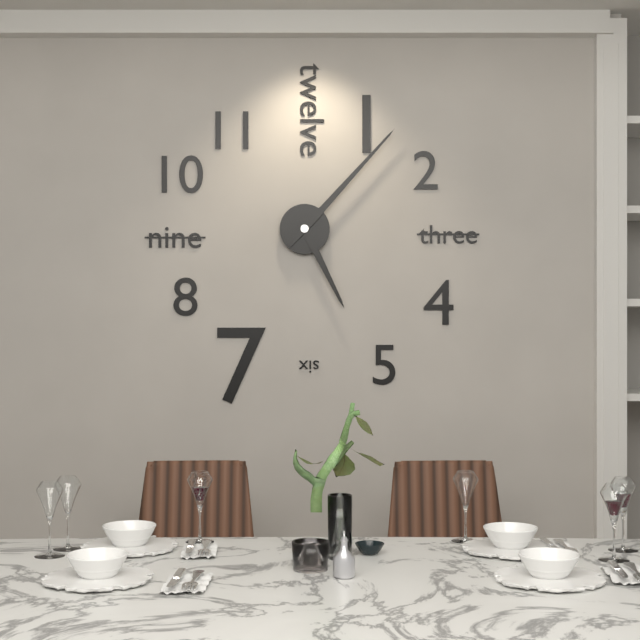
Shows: 5:07
